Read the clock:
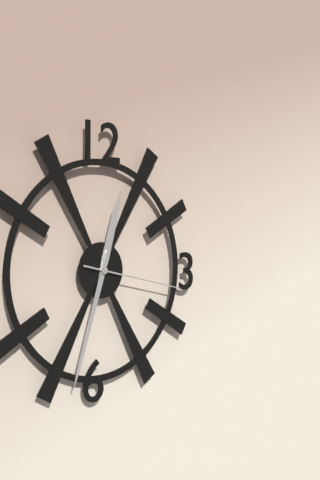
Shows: 12:33:17
